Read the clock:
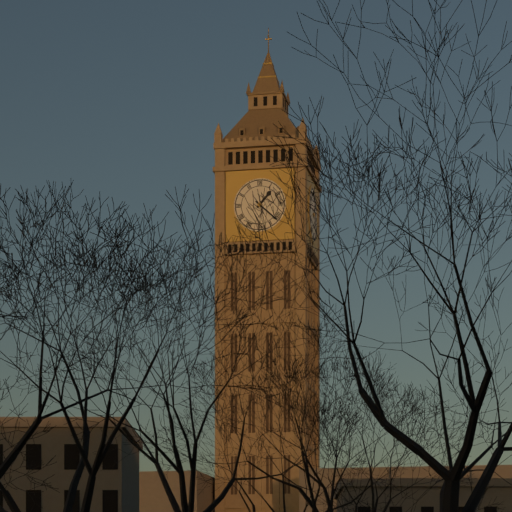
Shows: 1:22
